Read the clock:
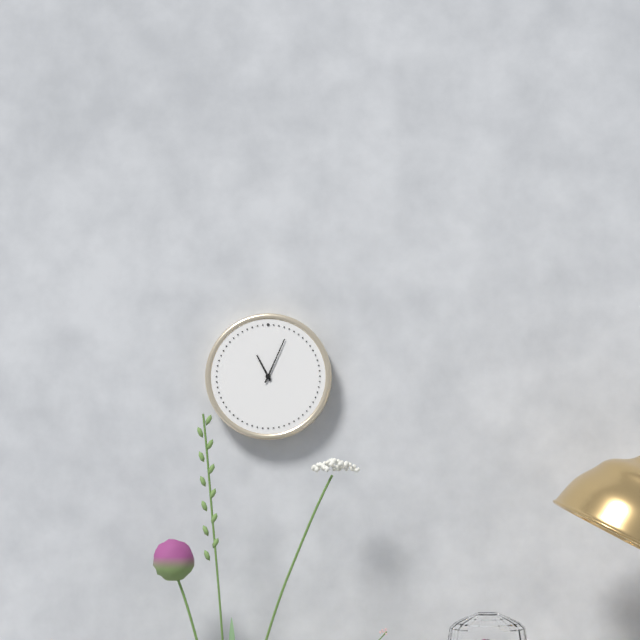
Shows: 11:04
